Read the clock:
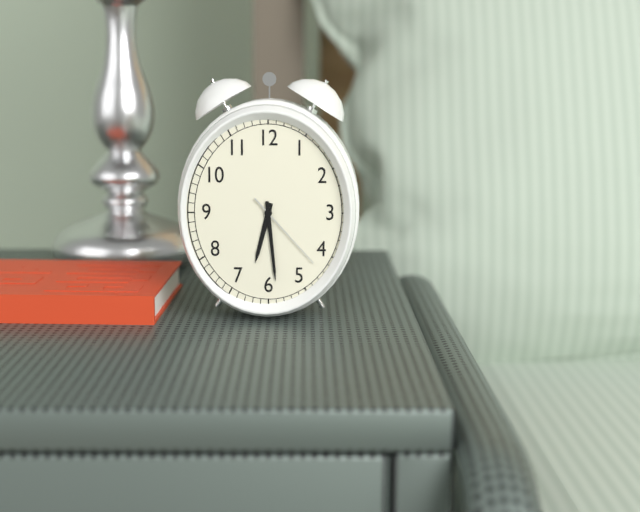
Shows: 6:29:23
